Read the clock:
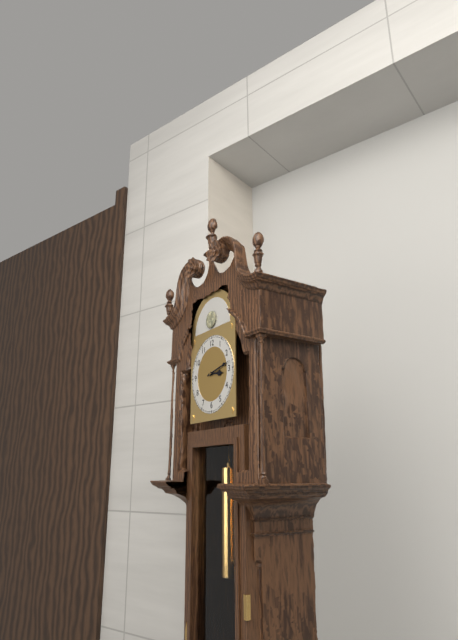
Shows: 3:13
